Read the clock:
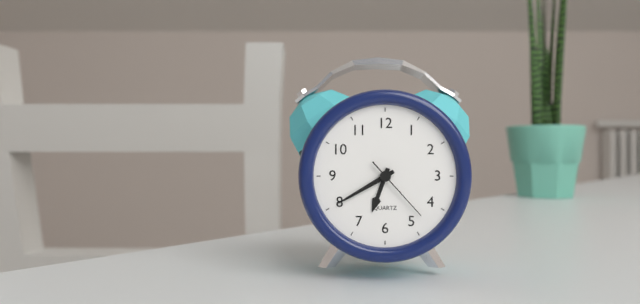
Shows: 6:40:23
